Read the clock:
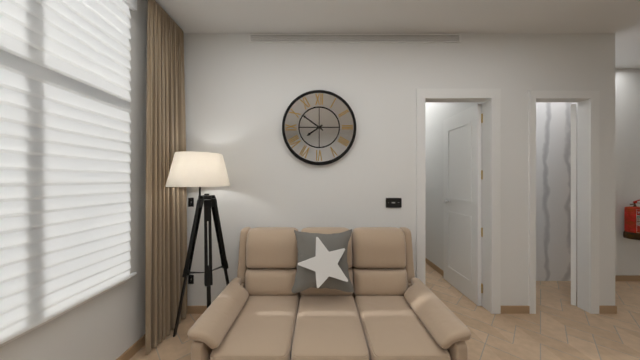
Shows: 7:51
